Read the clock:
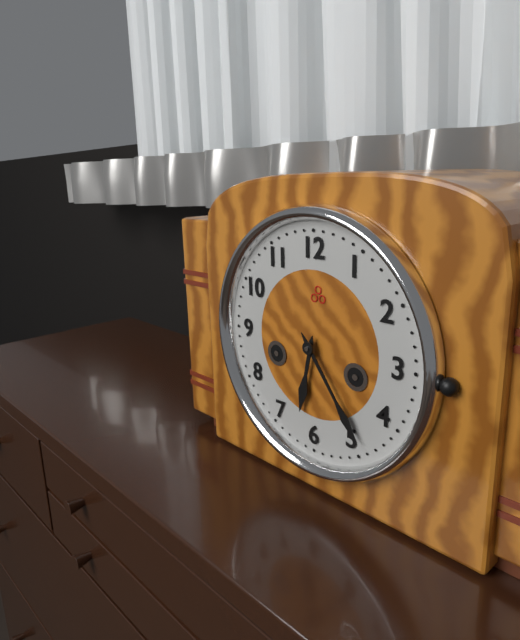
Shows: 6:24
